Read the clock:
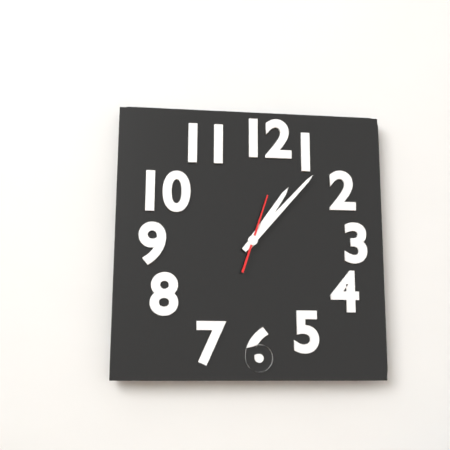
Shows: 1:07:03
